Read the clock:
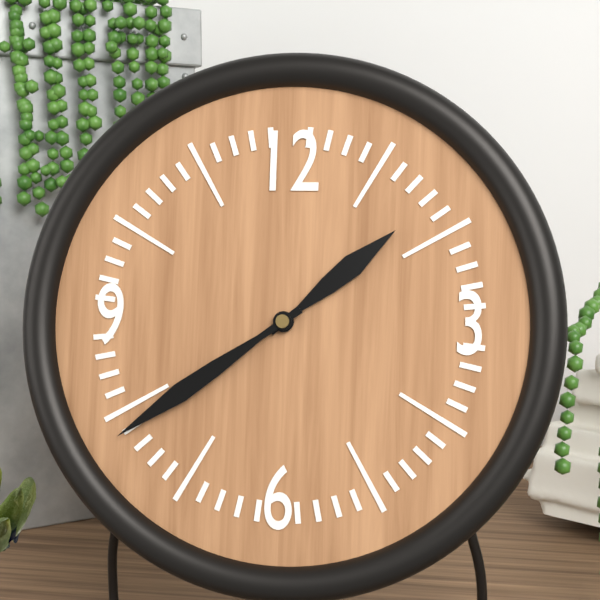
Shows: 1:39
